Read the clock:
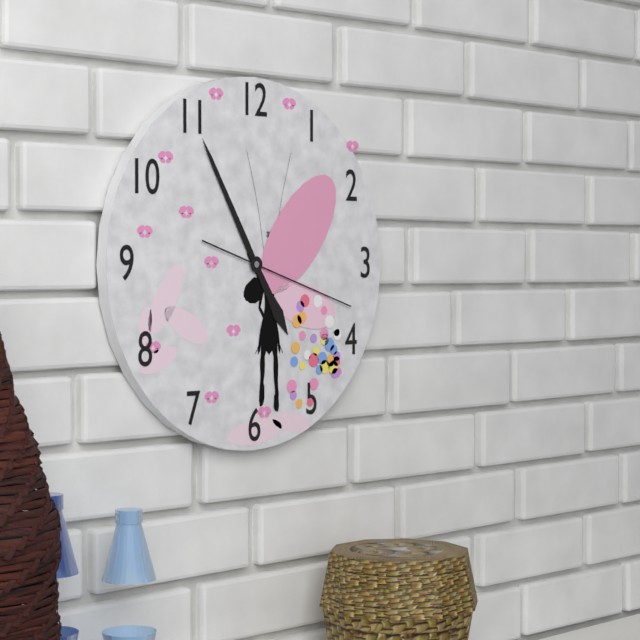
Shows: 4:55:18
